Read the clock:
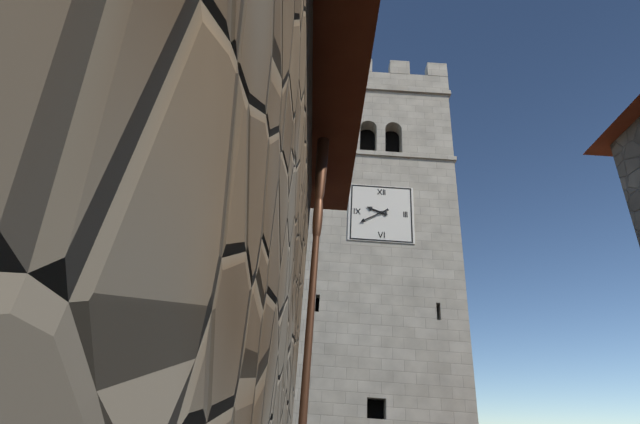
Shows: 9:40
